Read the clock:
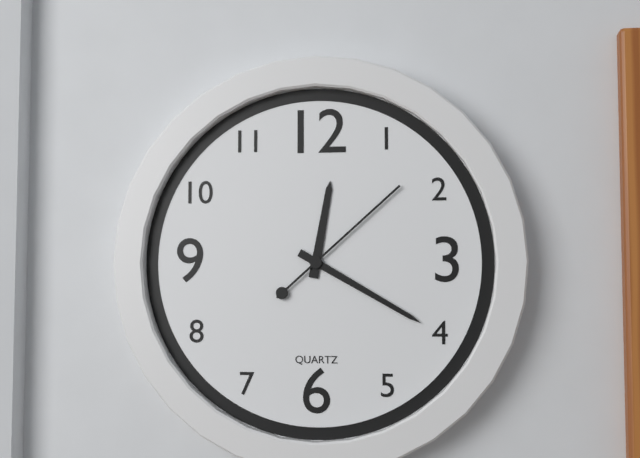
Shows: 12:20:08
